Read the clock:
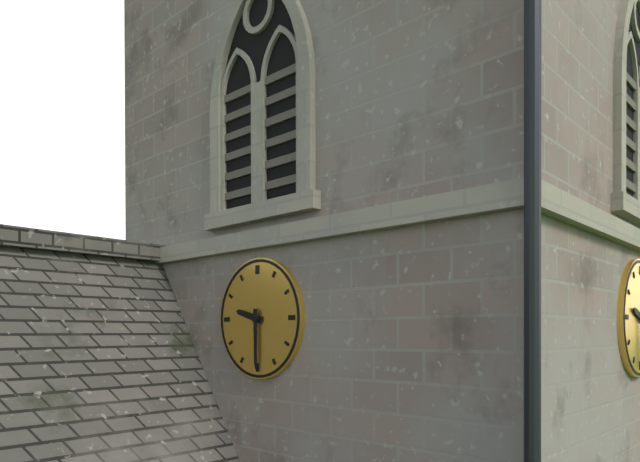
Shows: 9:30
